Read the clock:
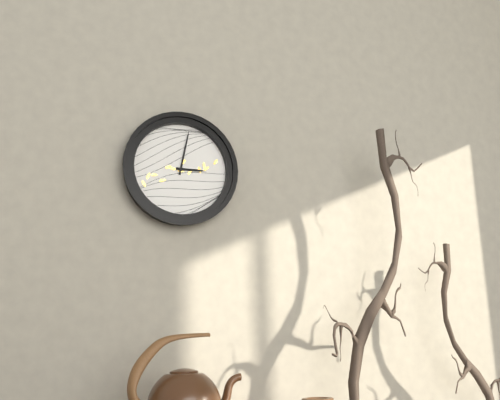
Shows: 3:02
